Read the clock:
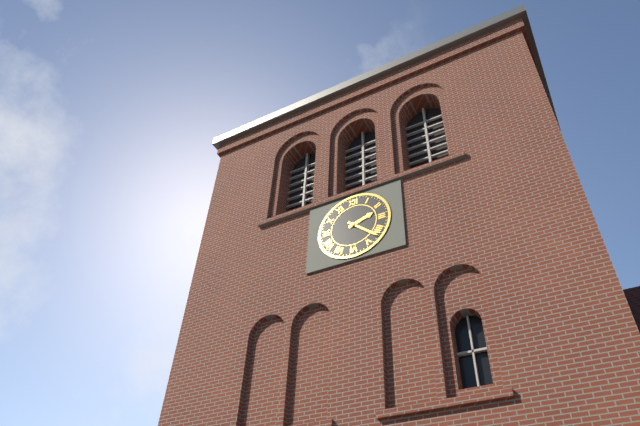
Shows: 2:22
